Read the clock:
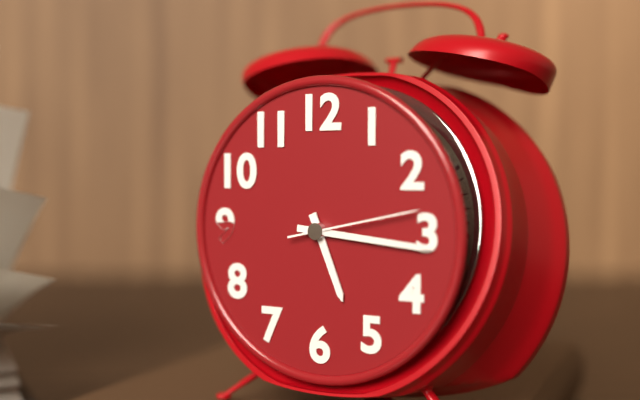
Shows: 5:16:13
